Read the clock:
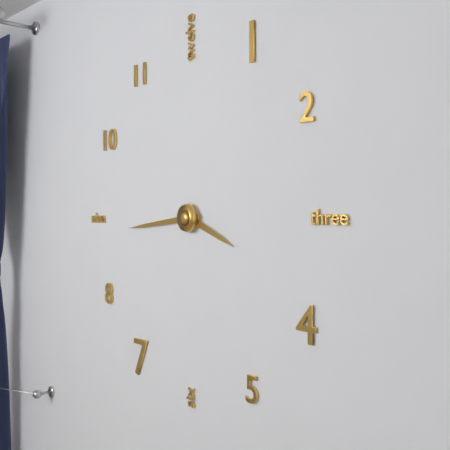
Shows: 3:44
